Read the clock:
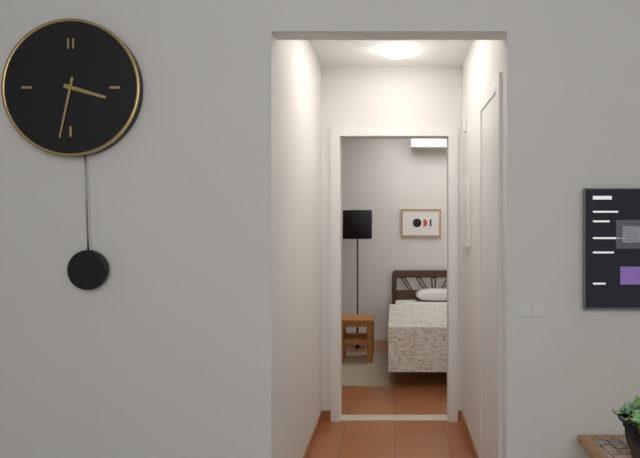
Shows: 3:32
